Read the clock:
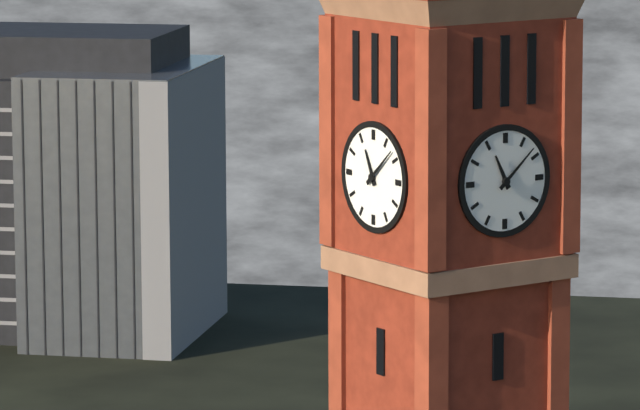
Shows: 11:08
